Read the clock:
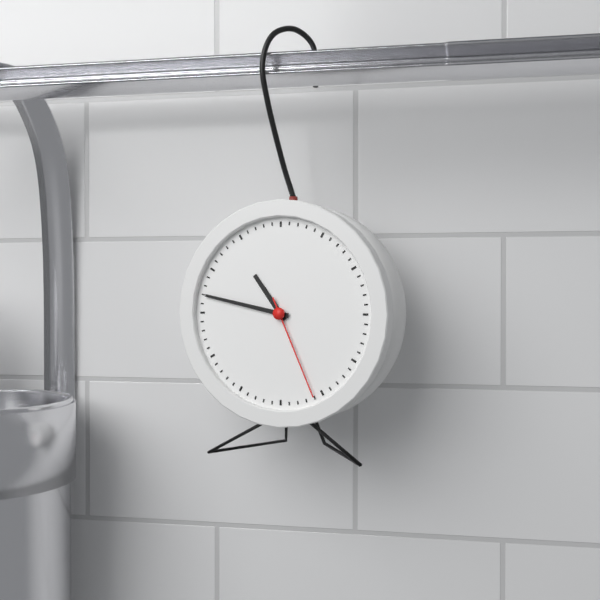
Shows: 10:47:26
